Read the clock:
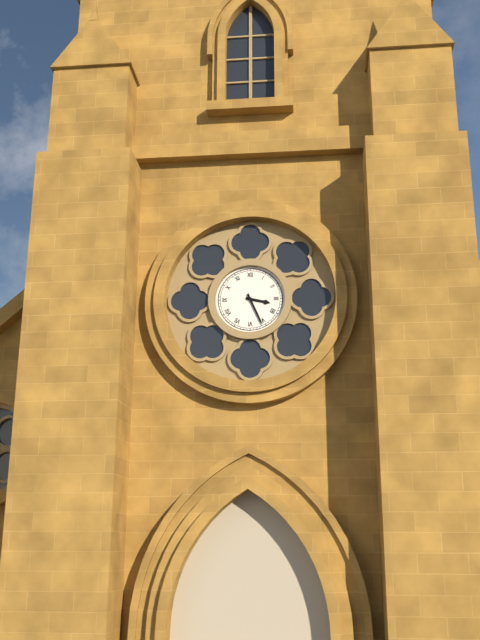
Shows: 3:26
